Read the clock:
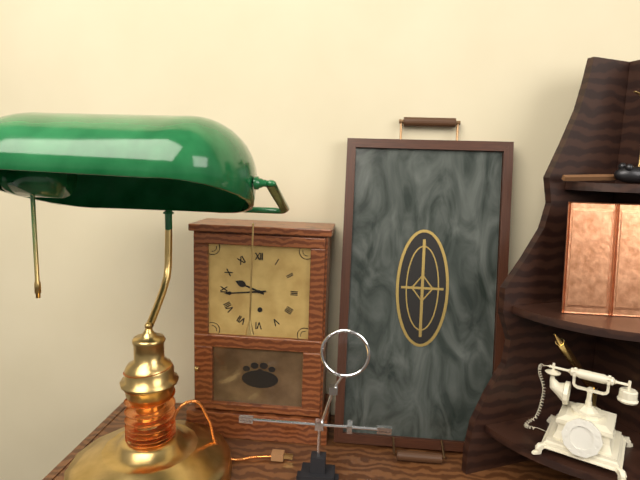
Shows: 9:44
